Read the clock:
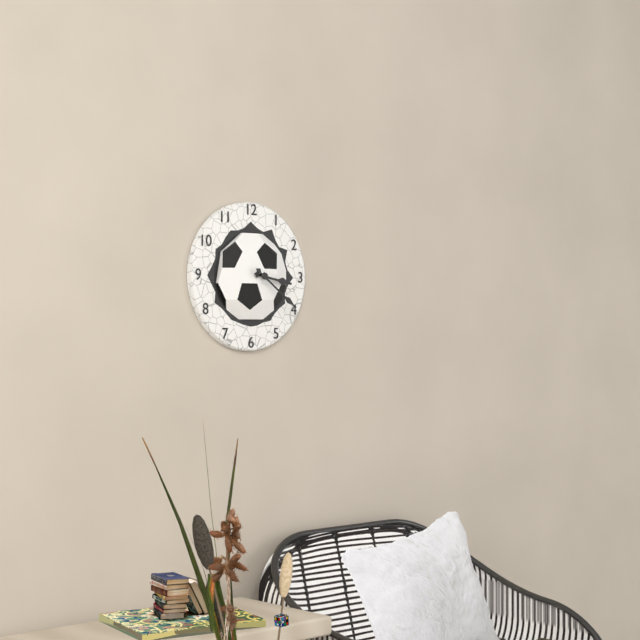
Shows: 3:21
